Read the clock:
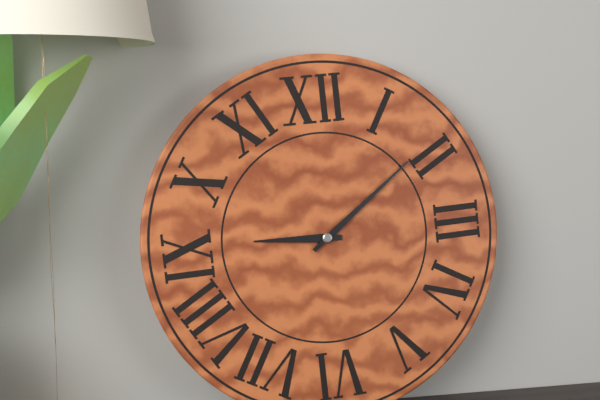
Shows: 9:09
